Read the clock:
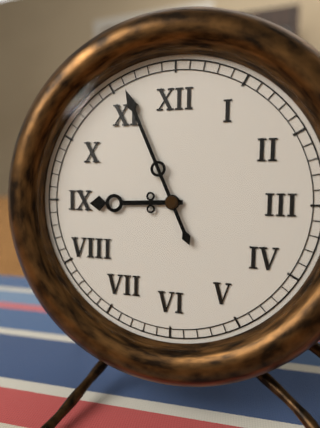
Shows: 8:56
